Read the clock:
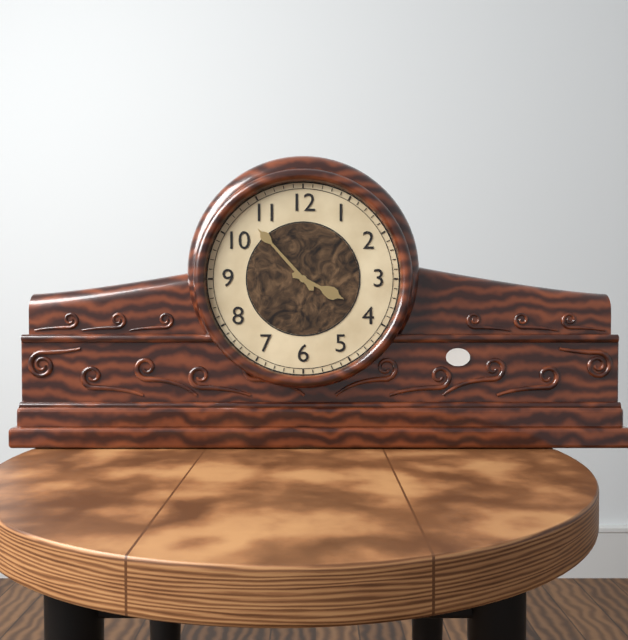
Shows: 3:53
